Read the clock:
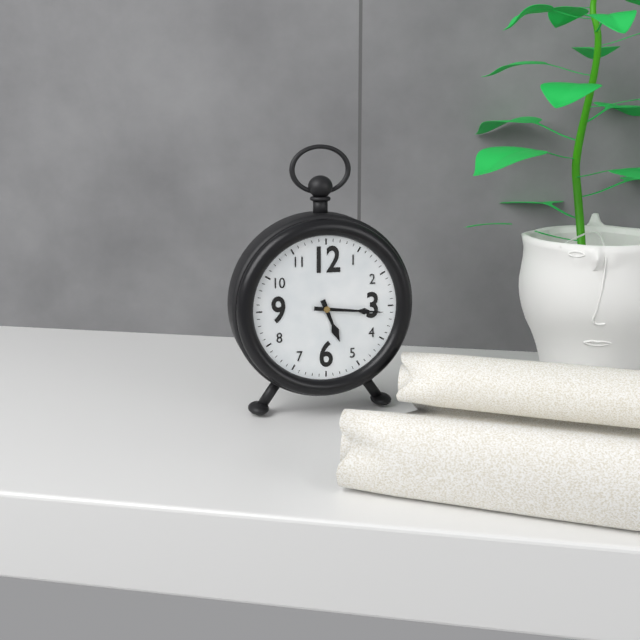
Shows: 5:16
